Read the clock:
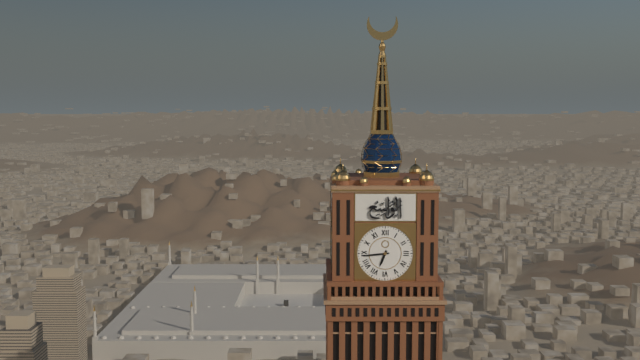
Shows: 6:44
